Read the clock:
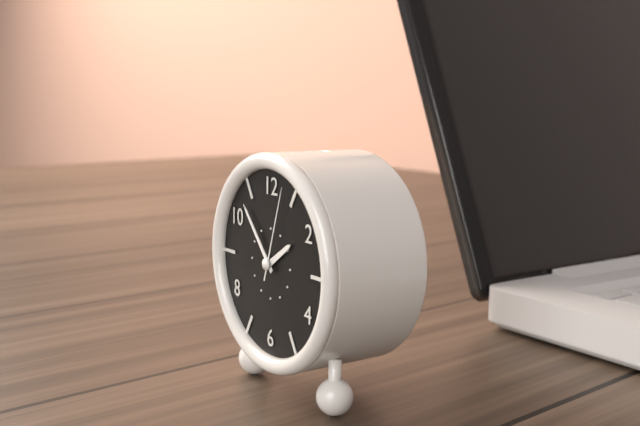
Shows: 1:53:03
